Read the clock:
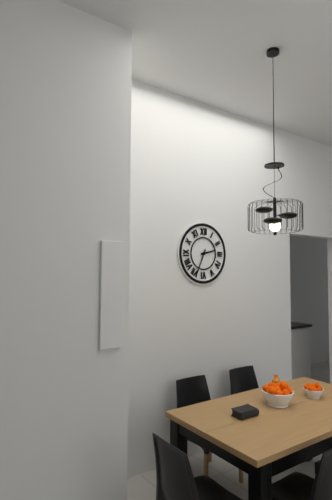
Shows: 2:34
